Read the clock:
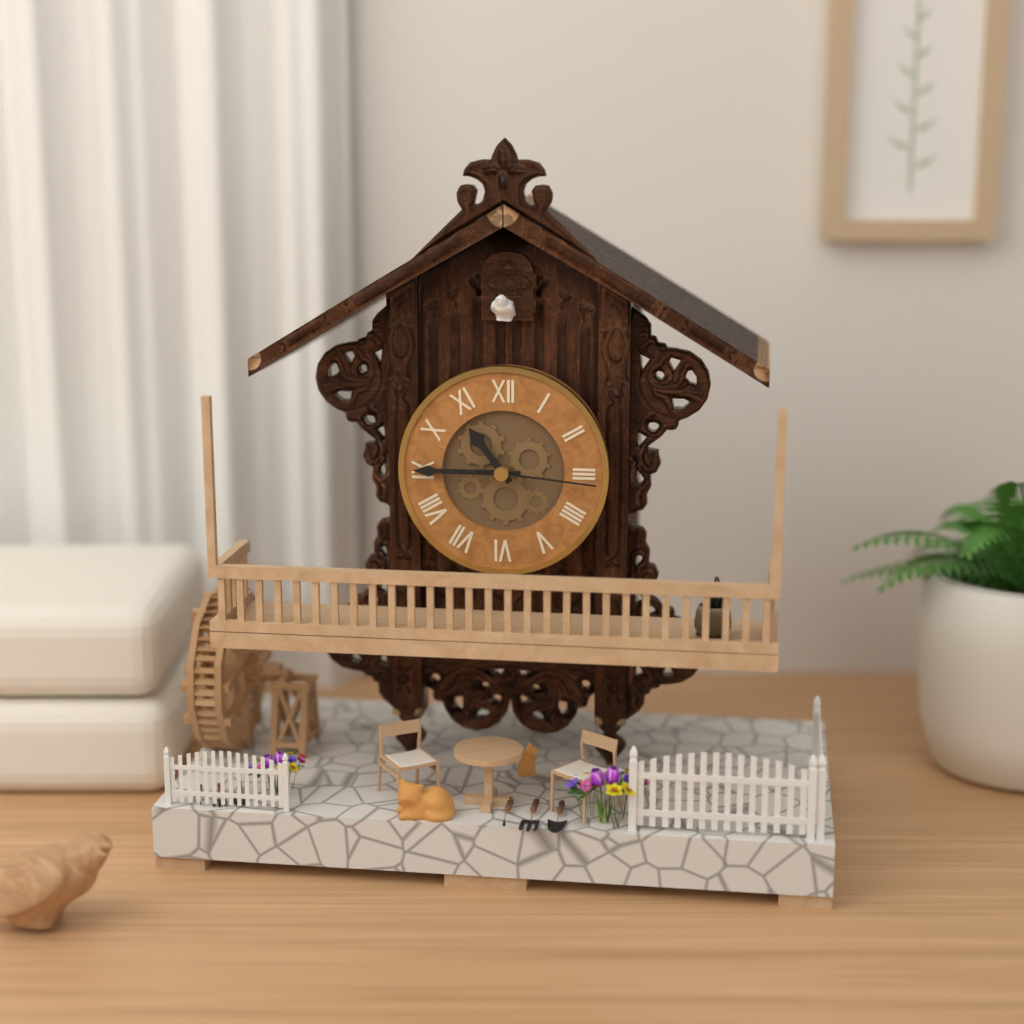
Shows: 10:45:16
